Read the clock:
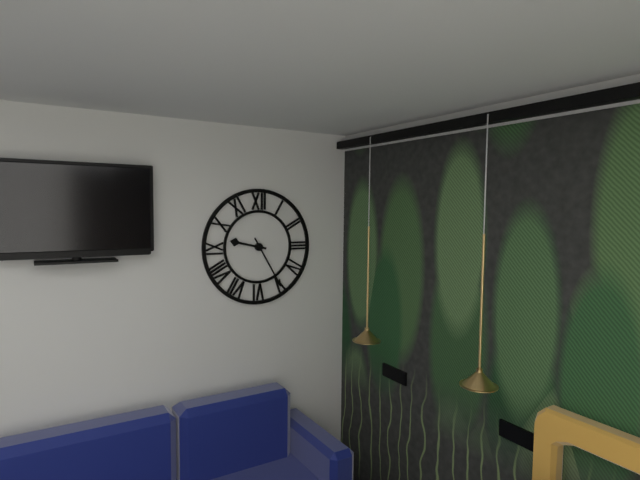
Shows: 9:25
